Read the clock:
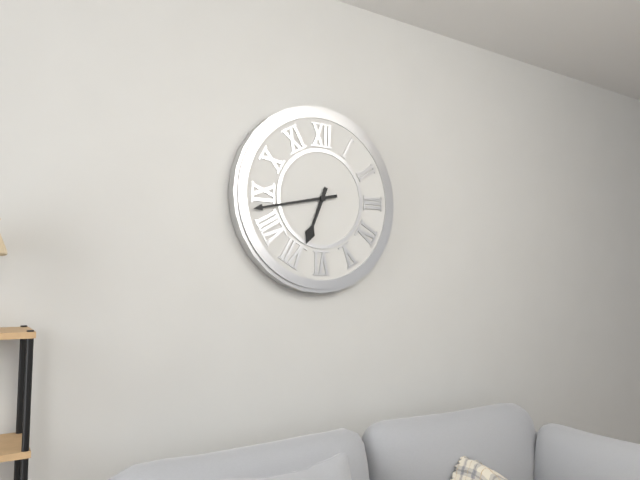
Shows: 6:43
